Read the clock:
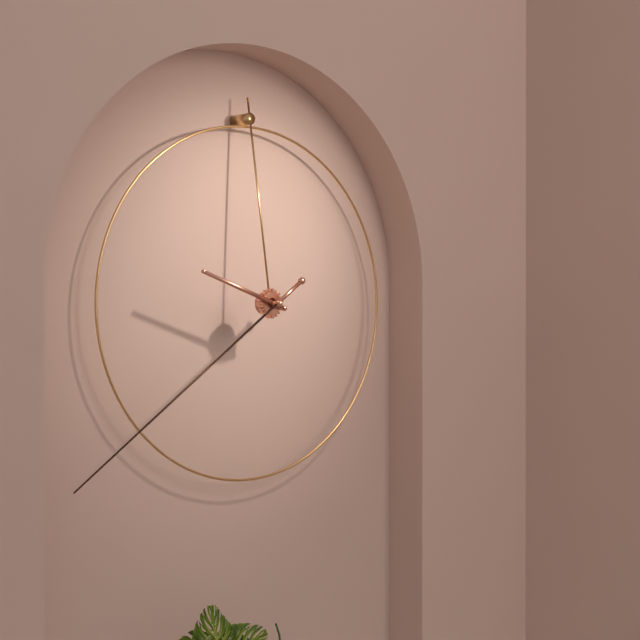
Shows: 9:39
